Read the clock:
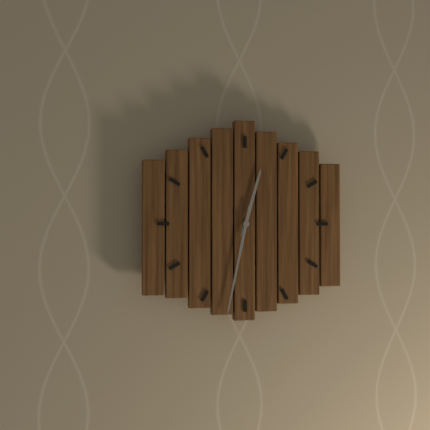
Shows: 12:32
